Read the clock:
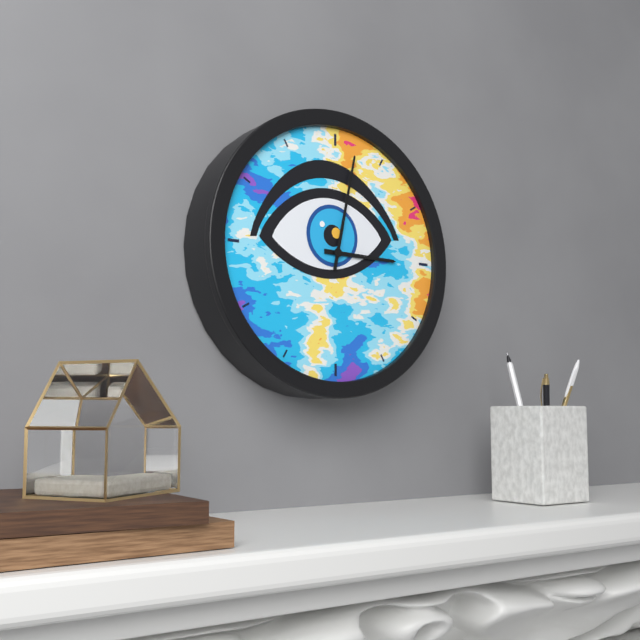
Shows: 3:02
